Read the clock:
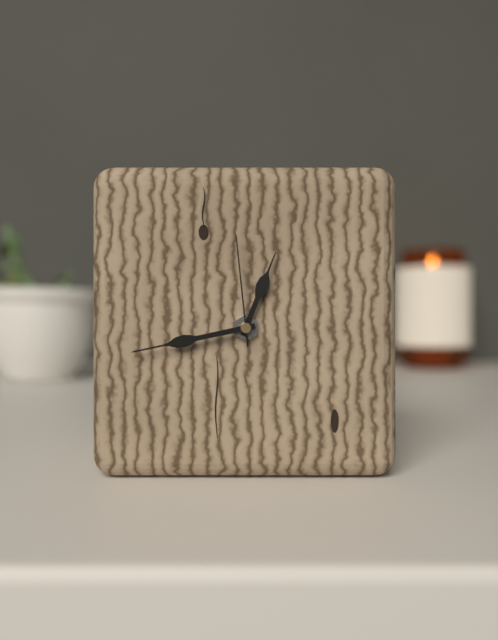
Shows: 12:43:59
